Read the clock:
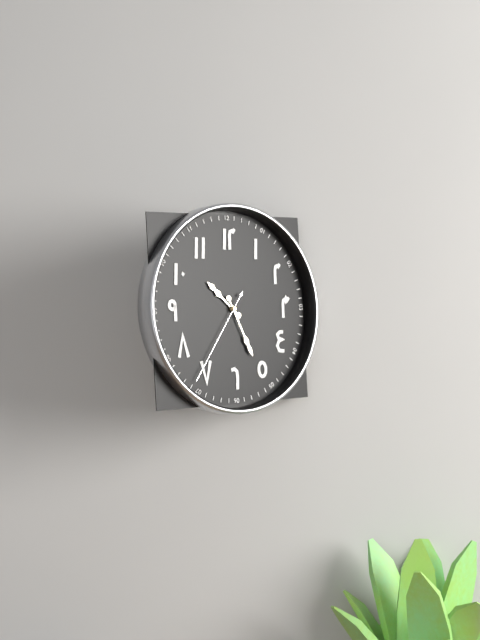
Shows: 10:26:36
